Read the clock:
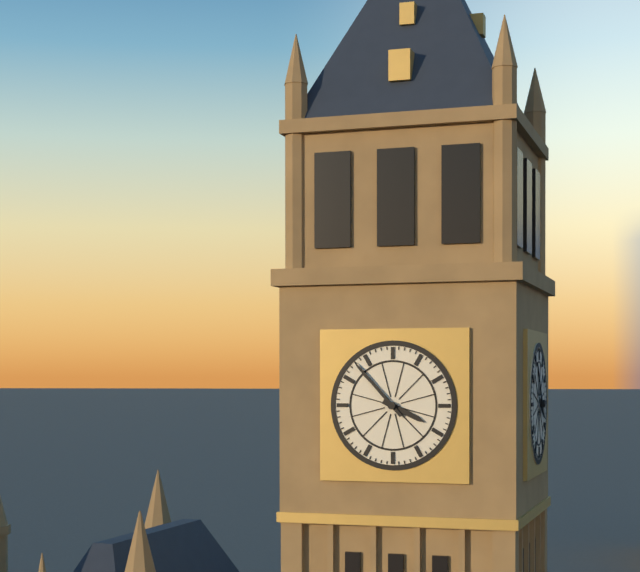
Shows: 3:53
